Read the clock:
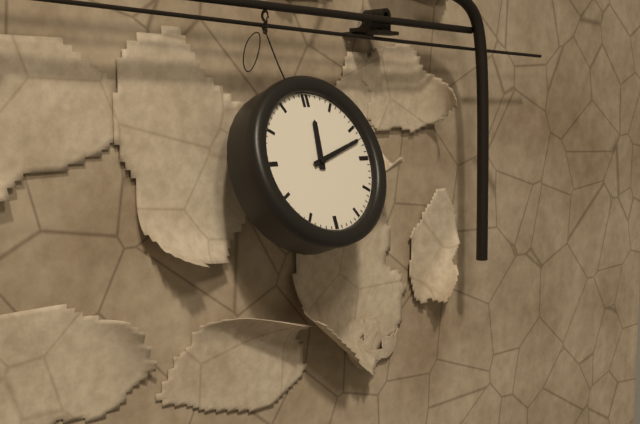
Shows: 12:12
